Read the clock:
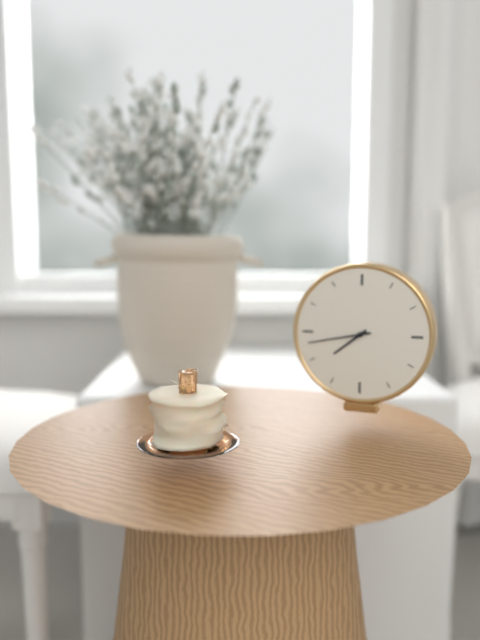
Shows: 7:43
